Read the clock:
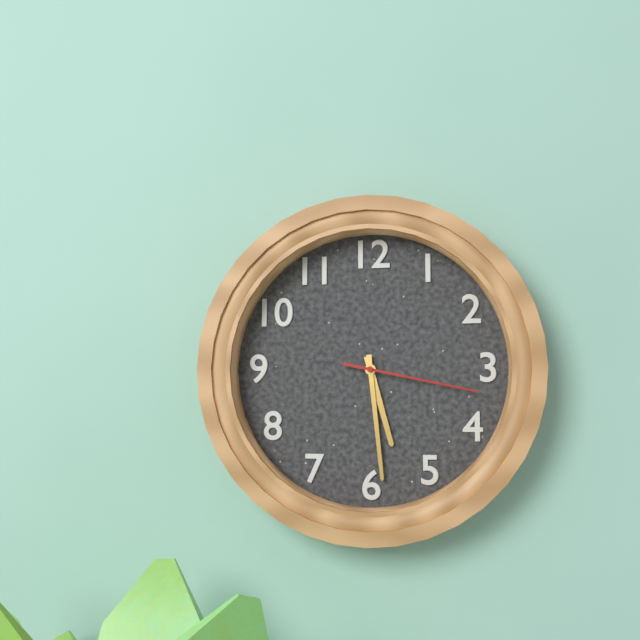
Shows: 5:29:17
